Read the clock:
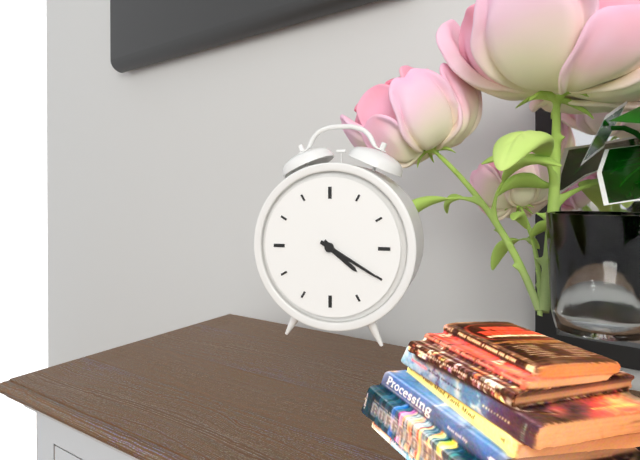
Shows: 4:20
